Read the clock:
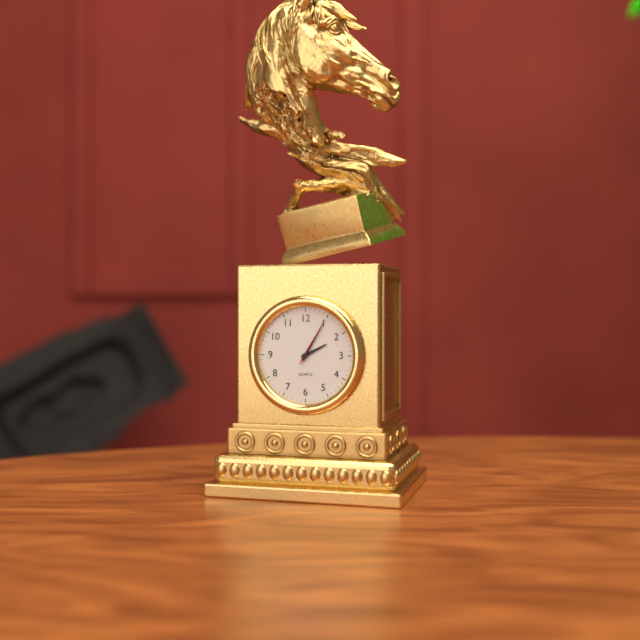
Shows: 2:05:05
